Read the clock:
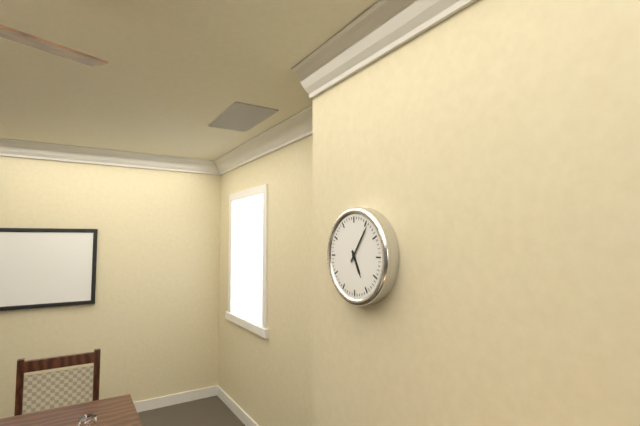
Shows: 5:06
